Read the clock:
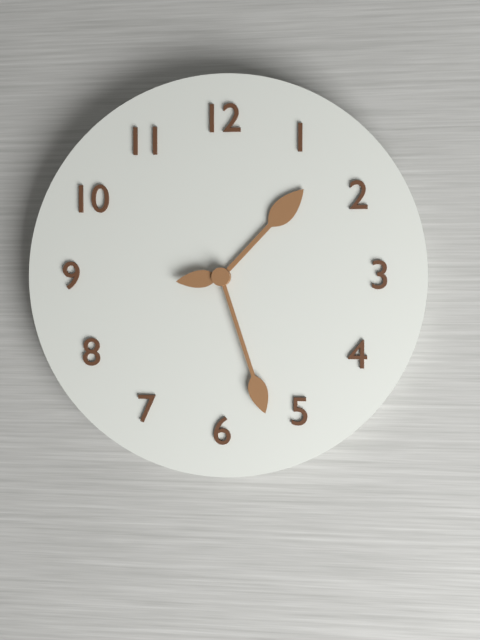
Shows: 1:27:44
